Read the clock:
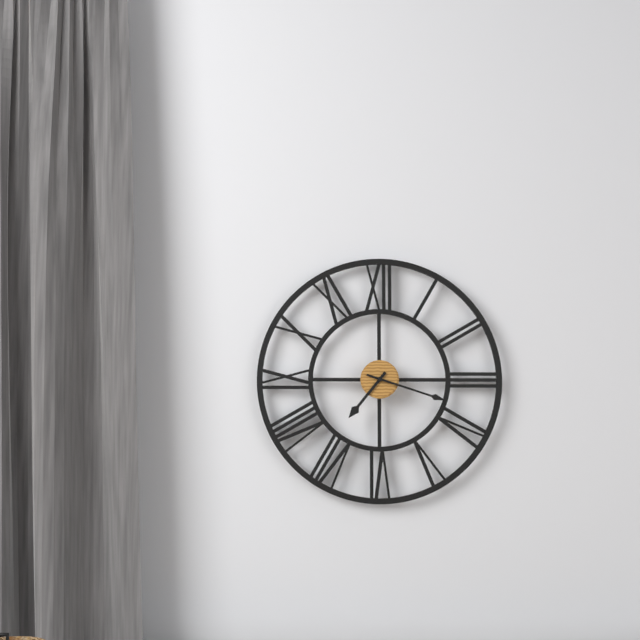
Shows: 7:18
